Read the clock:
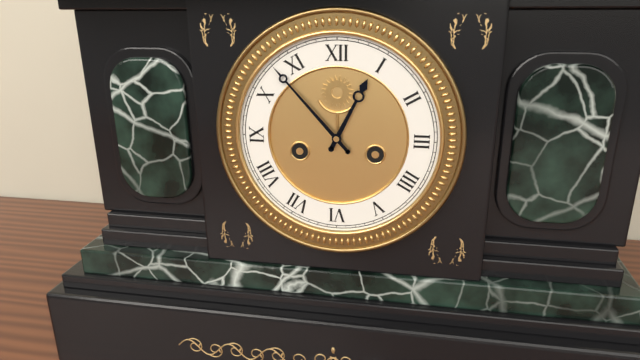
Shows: 12:53
